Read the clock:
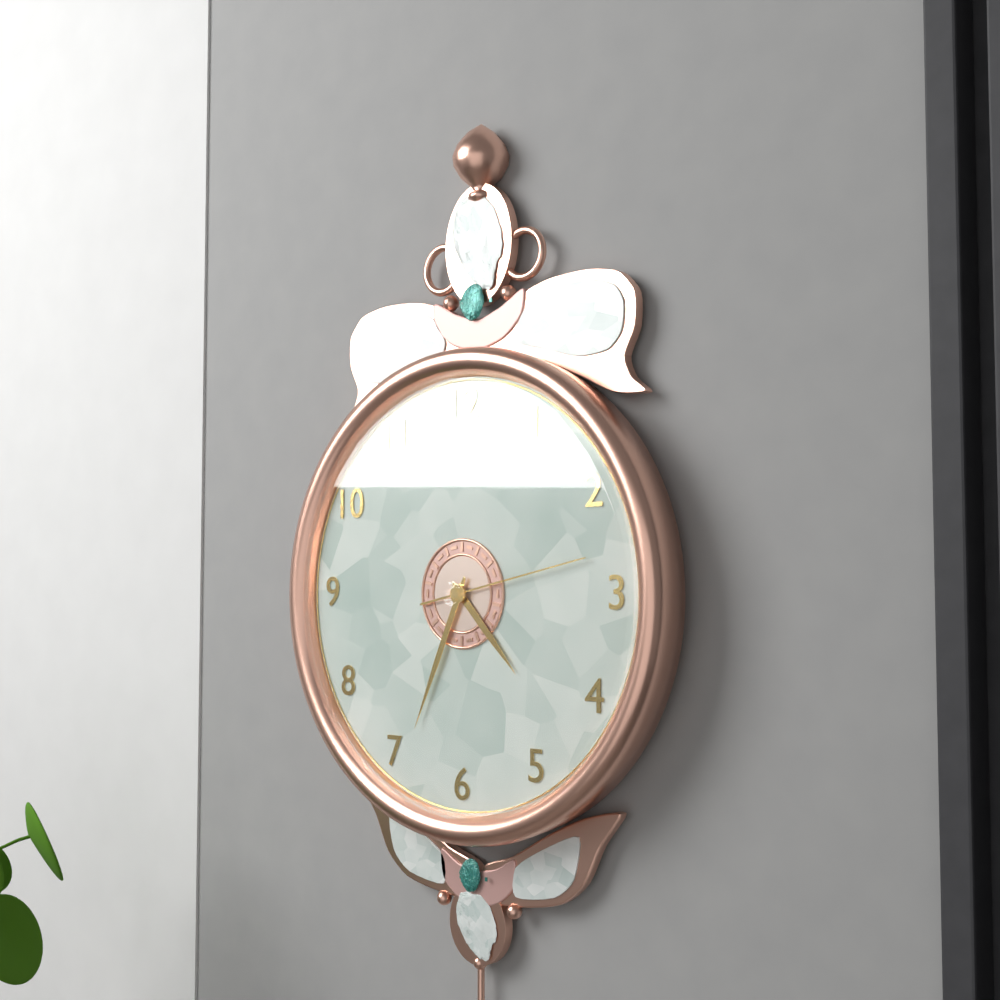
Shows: 4:34:13
